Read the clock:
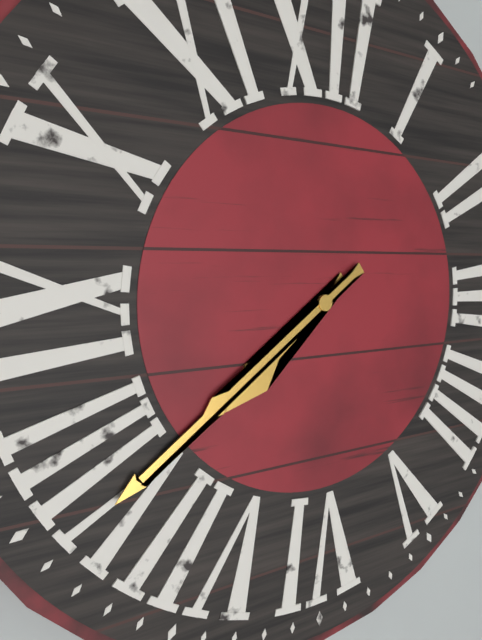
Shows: 7:39
